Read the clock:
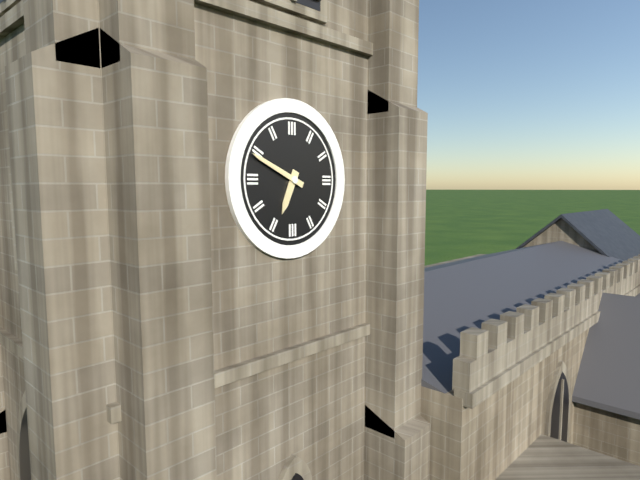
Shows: 6:49
